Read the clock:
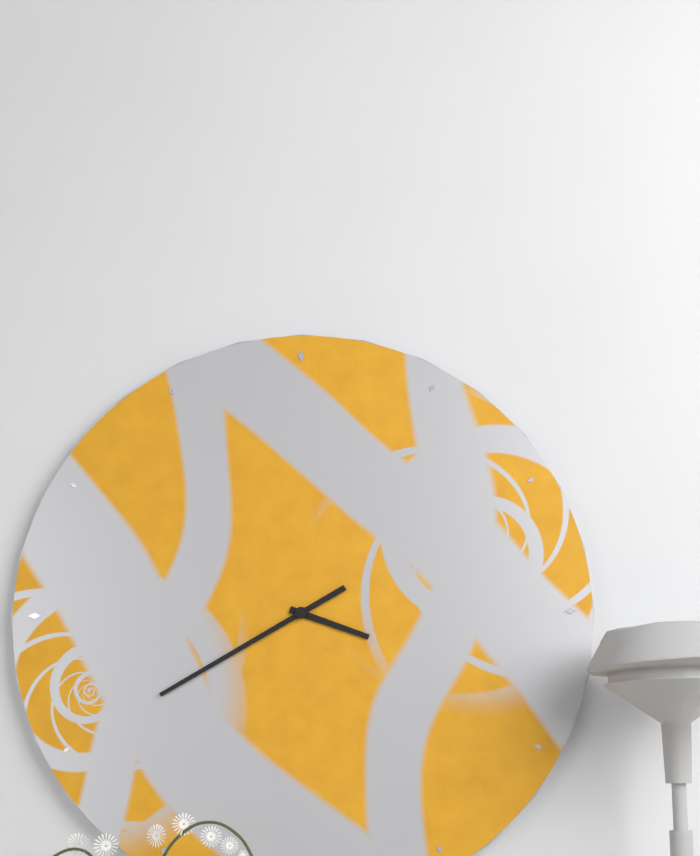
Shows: 3:40
